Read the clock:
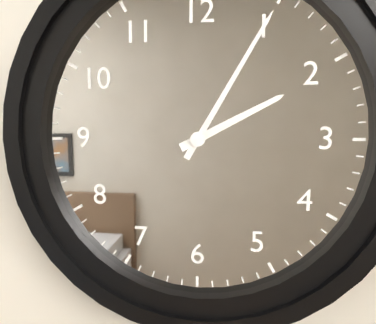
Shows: 2:05
